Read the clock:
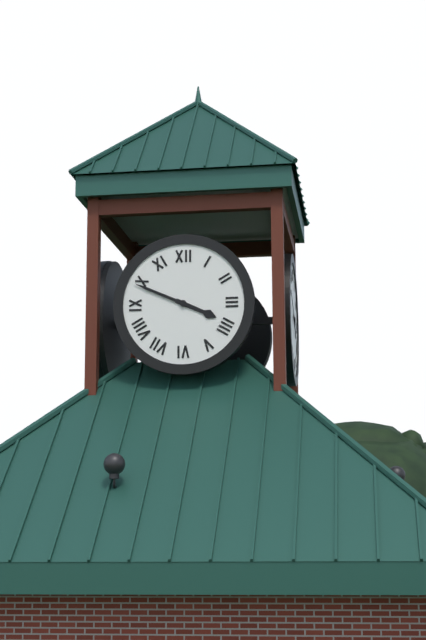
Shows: 3:49
